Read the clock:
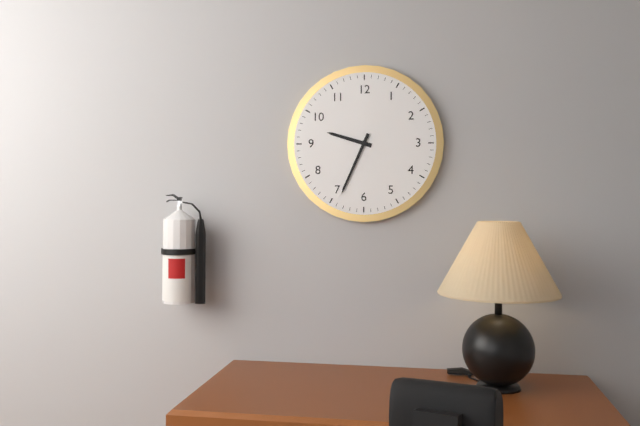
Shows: 9:34
